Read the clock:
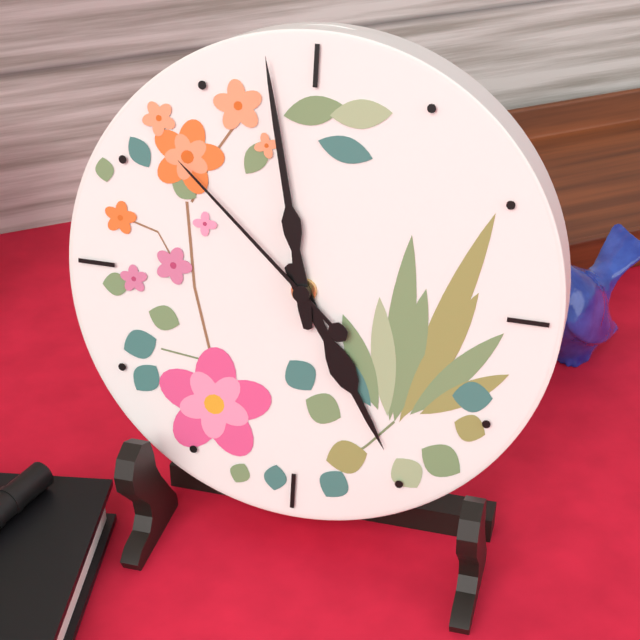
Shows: 4:58:52
